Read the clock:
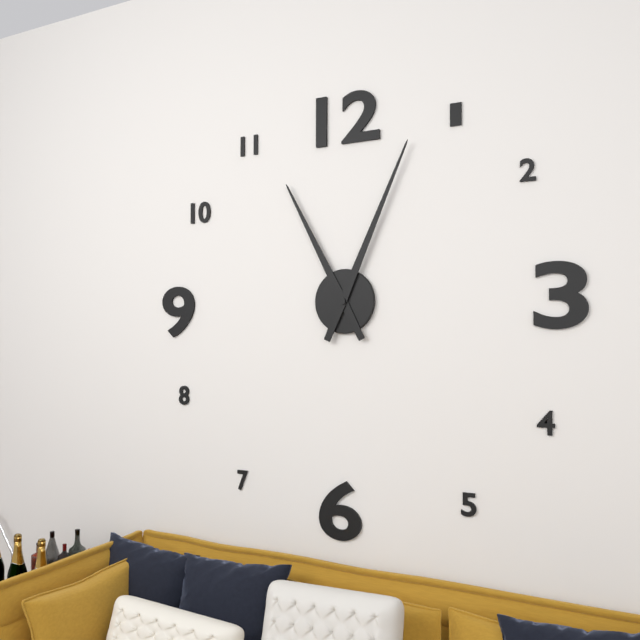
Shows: 11:04
